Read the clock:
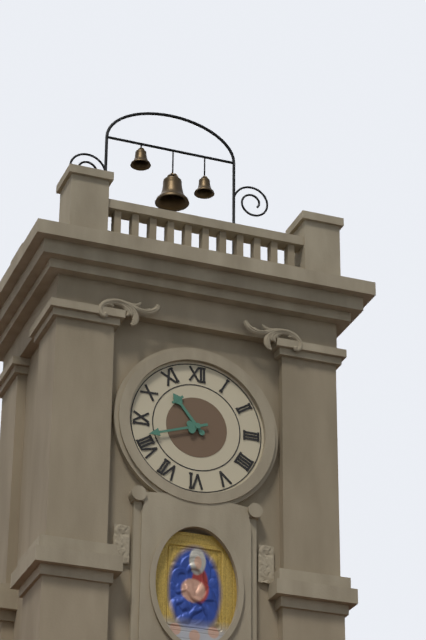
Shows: 10:42
